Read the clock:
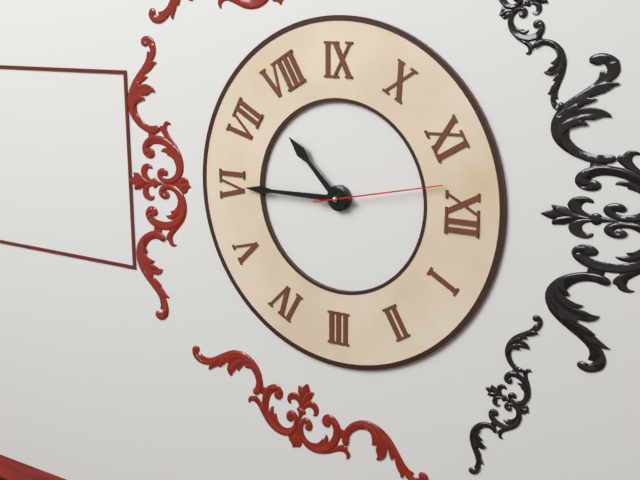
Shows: 7:30:58
